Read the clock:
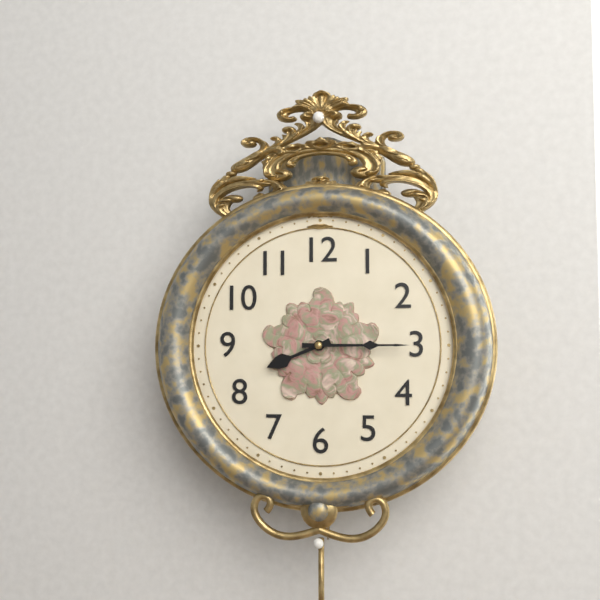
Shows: 8:15
